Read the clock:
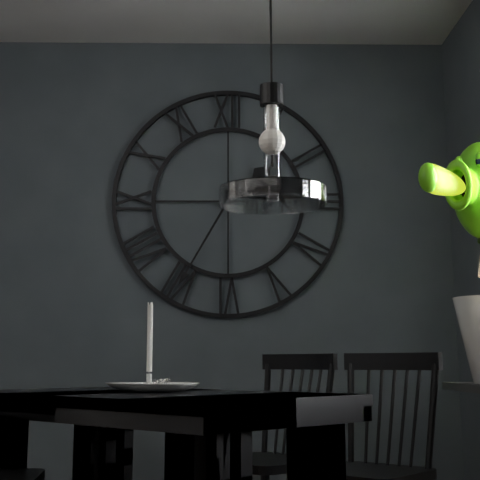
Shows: 1:35
